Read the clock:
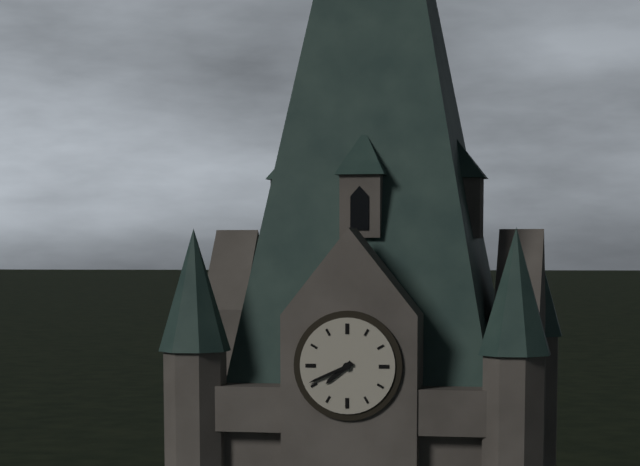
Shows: 7:41
